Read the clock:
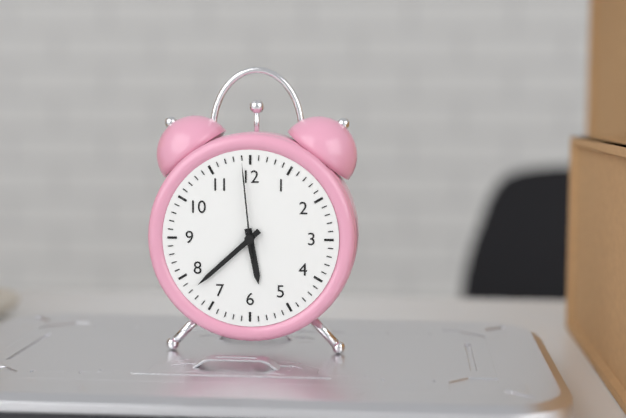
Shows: 5:38:59
